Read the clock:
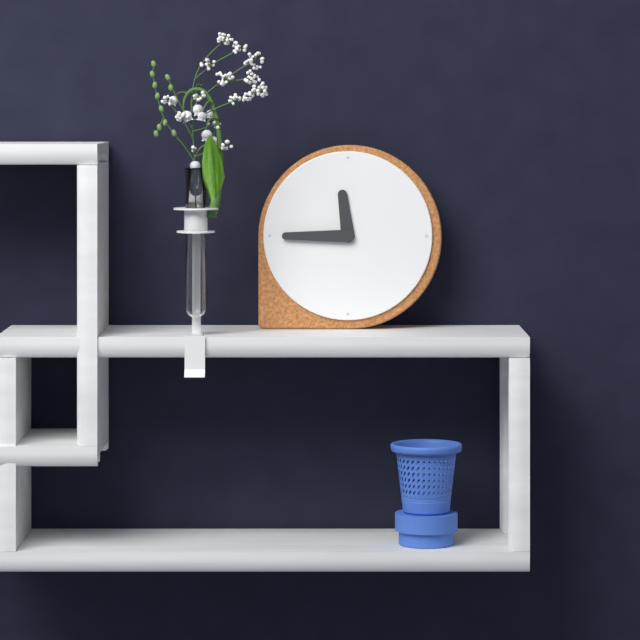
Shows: 11:45
